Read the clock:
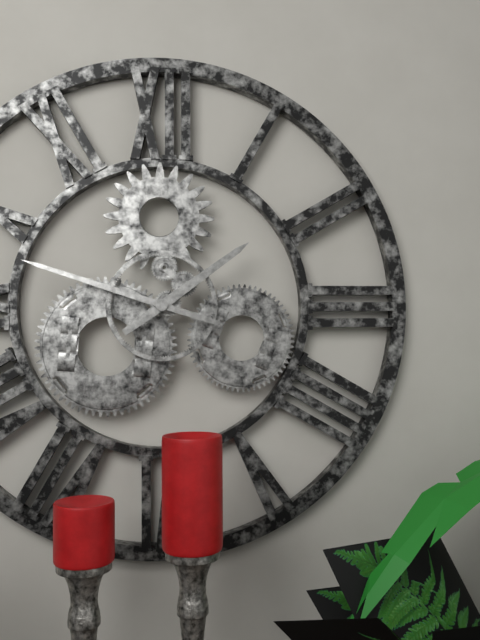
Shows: 1:48
